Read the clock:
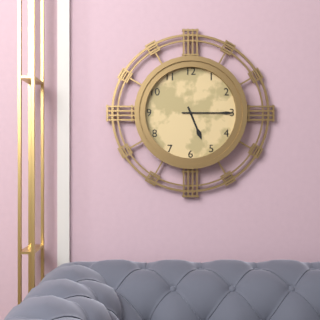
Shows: 5:15
